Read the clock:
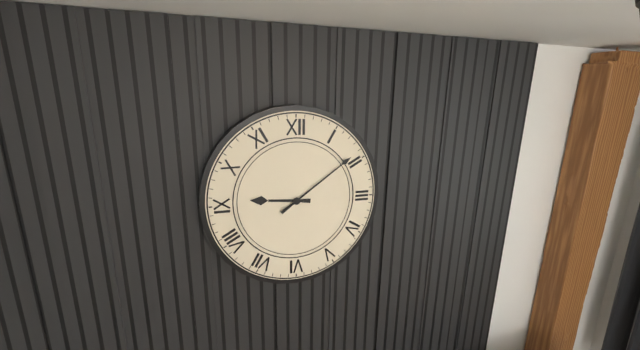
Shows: 9:09
